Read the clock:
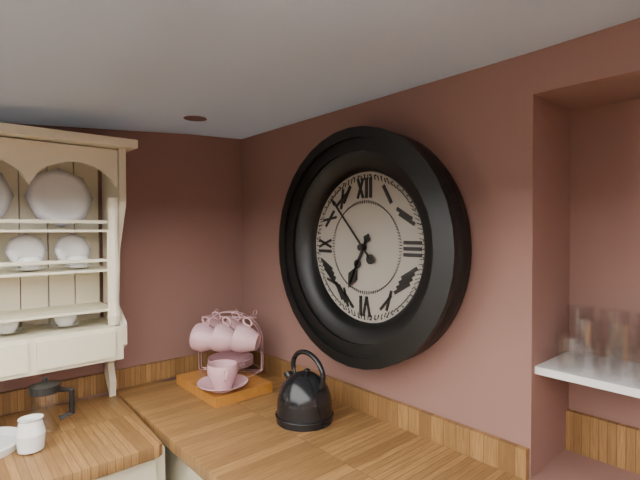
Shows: 6:53
